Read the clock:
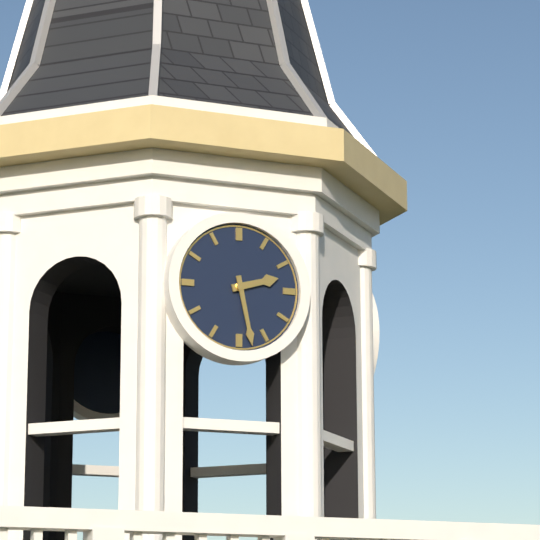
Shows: 2:28
